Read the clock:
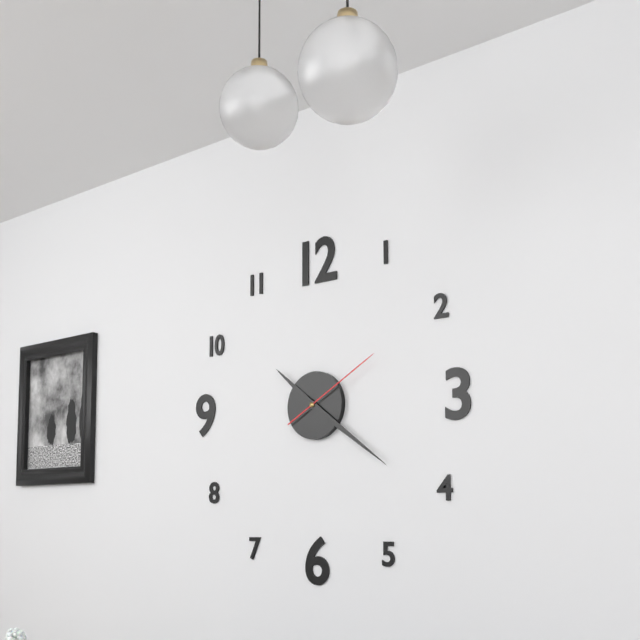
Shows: 10:21:10
